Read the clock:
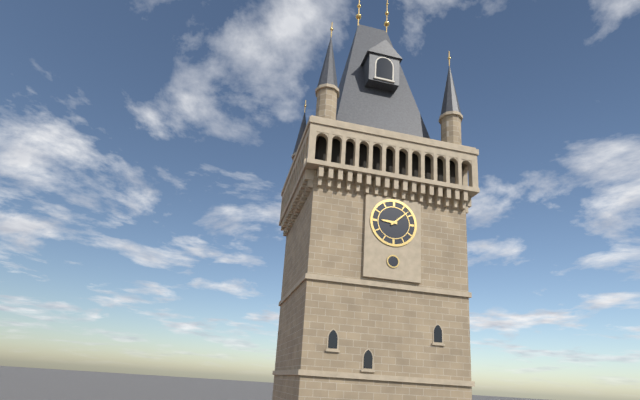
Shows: 9:08
